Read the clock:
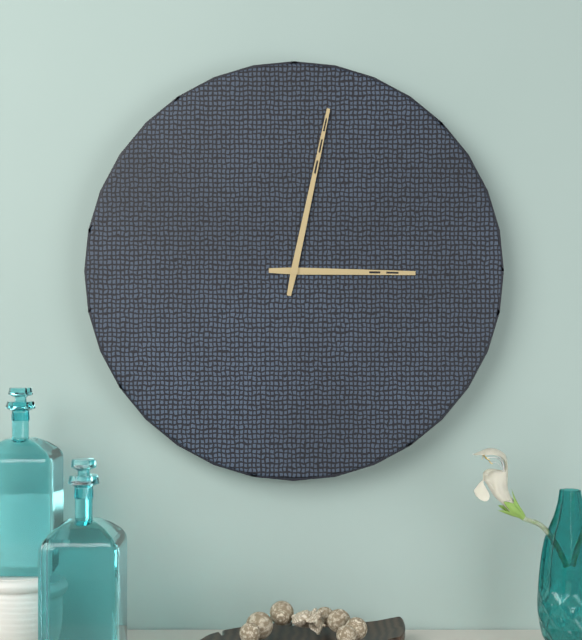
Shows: 3:02
